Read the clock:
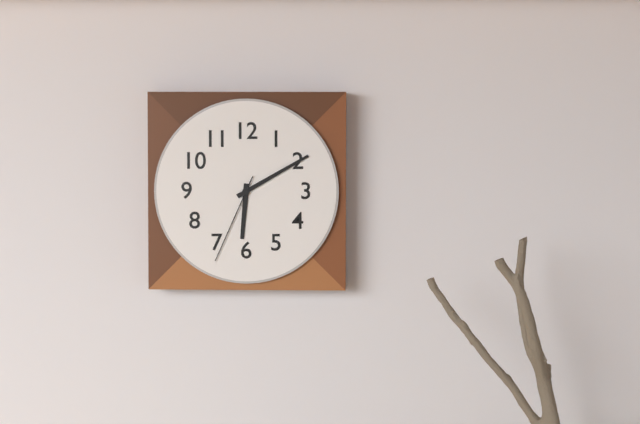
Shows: 6:10:34
